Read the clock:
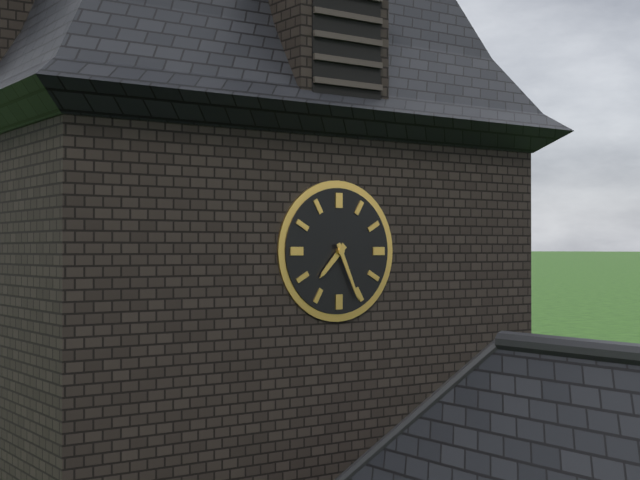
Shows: 7:26
